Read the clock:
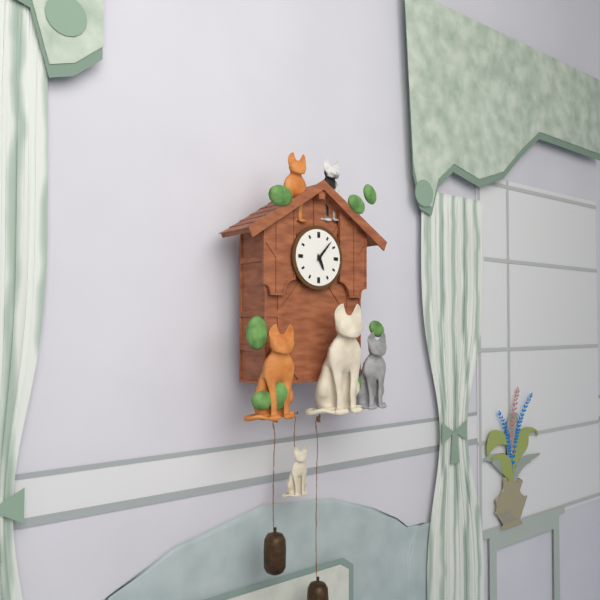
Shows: 5:07
